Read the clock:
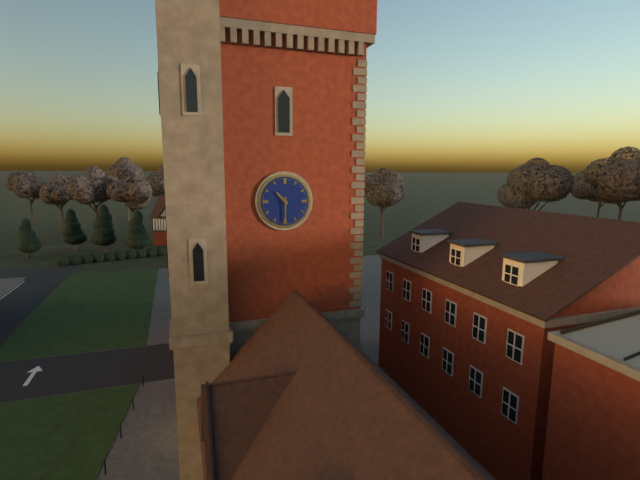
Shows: 10:30
